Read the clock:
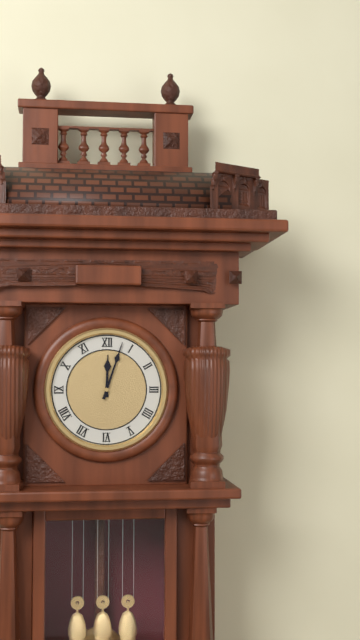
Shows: 12:03
